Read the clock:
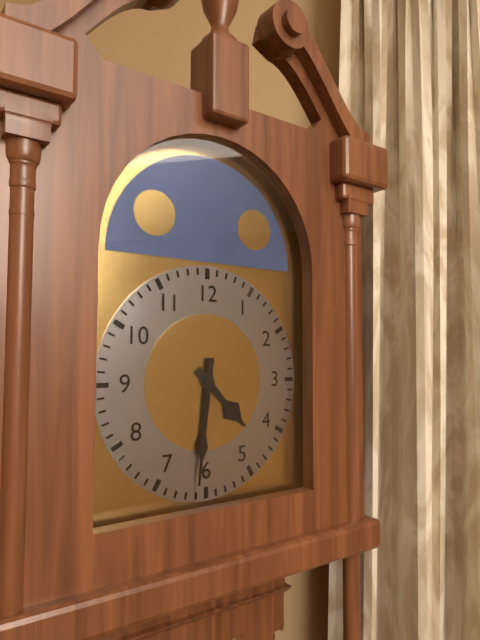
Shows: 4:31
